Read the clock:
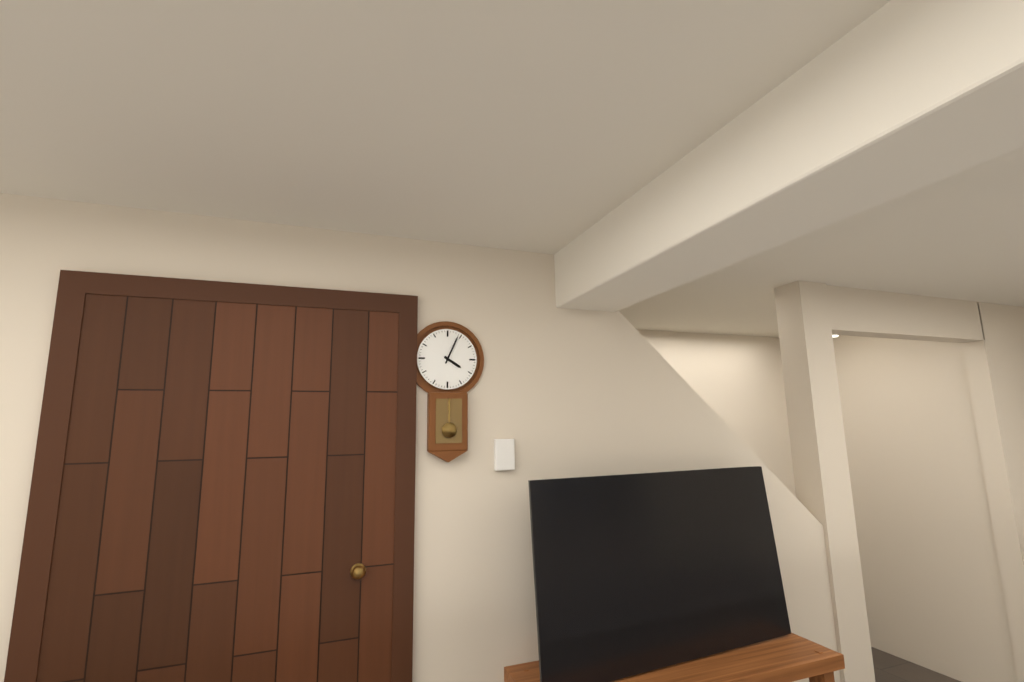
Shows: 4:04
